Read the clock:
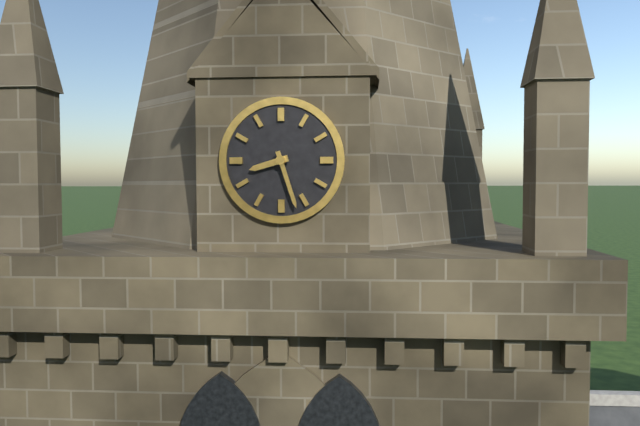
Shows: 8:27
